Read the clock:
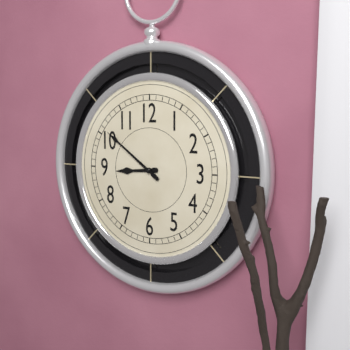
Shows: 8:51
